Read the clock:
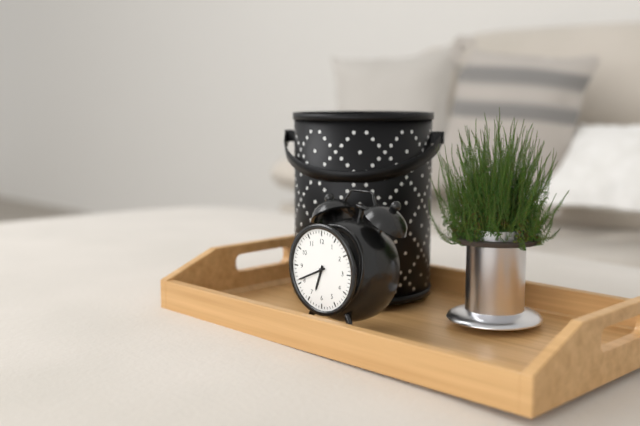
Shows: 6:41
